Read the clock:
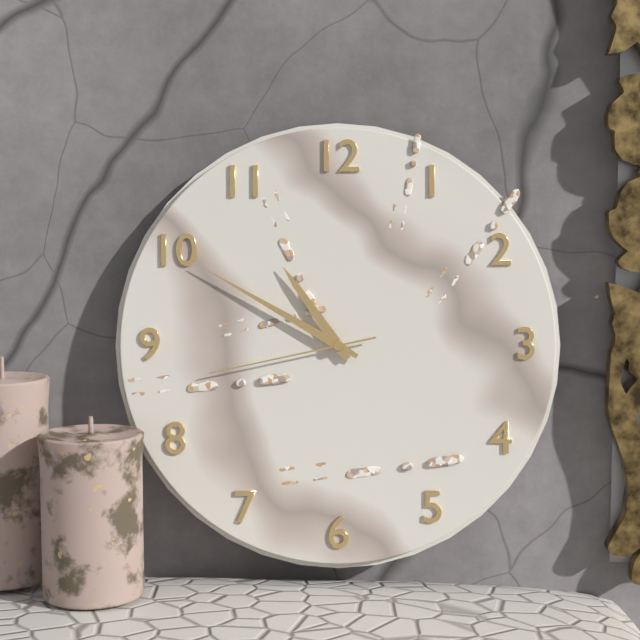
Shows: 10:50:43
